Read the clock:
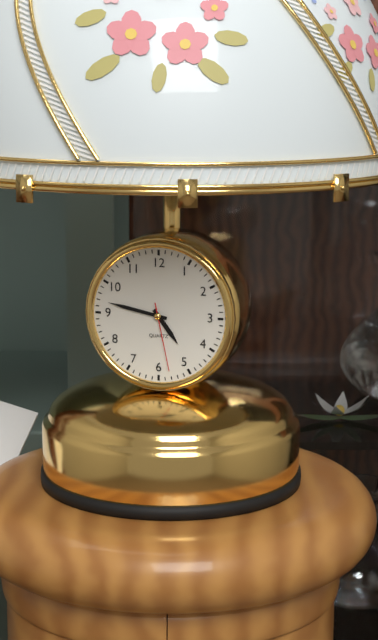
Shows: 4:47:28
